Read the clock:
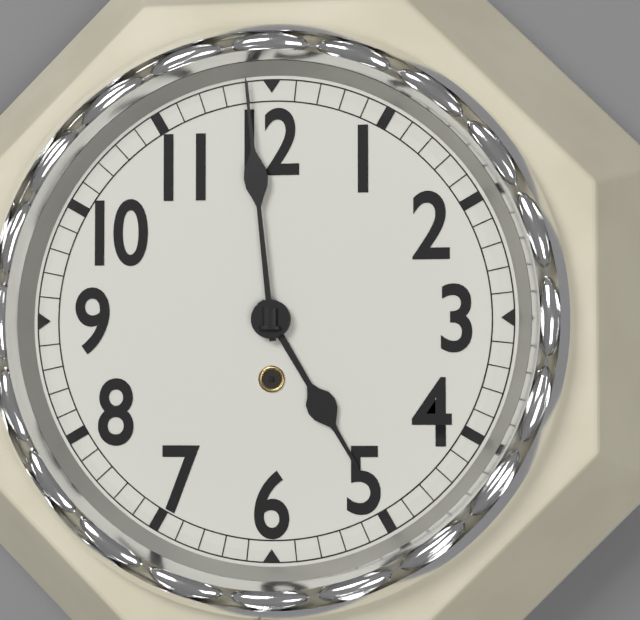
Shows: 4:59
